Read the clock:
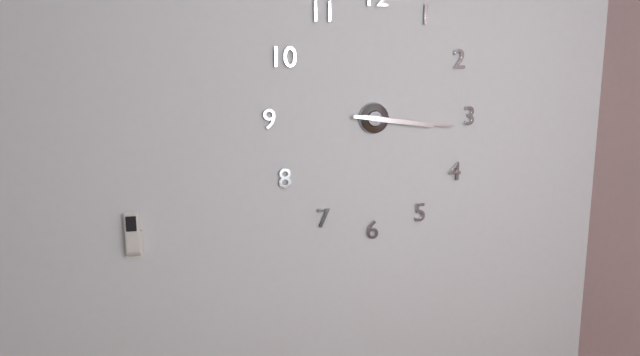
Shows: 3:16
